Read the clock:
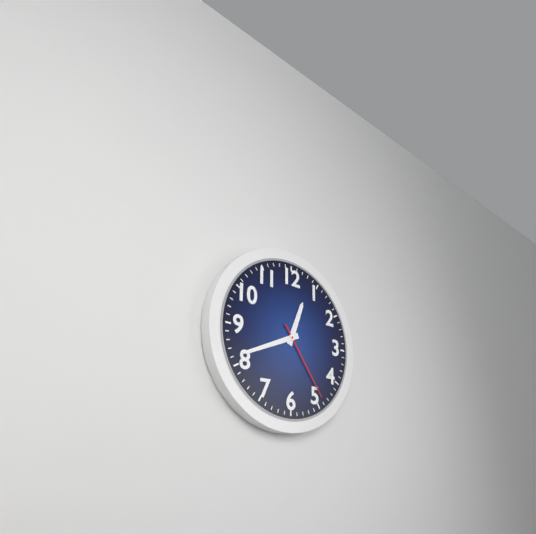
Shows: 12:41:24
